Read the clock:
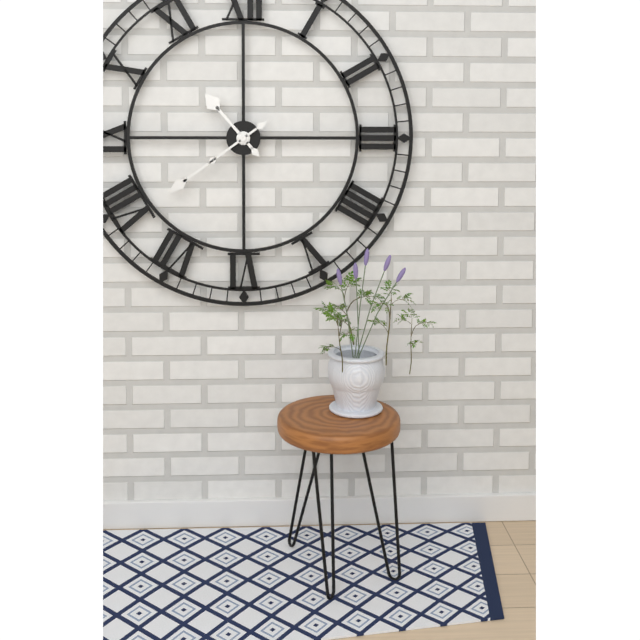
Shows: 10:39
